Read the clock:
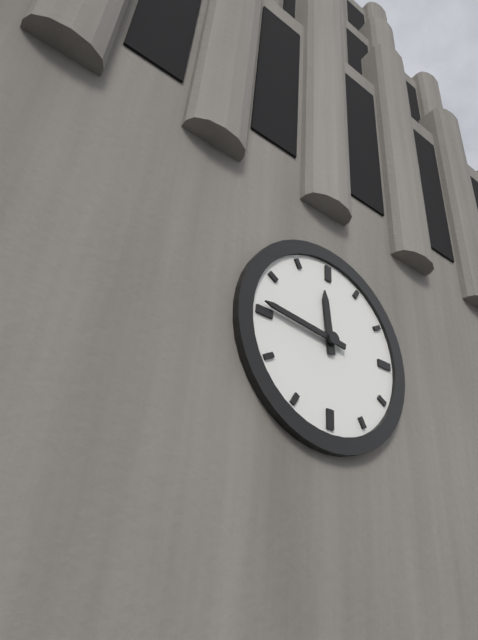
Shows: 11:46
